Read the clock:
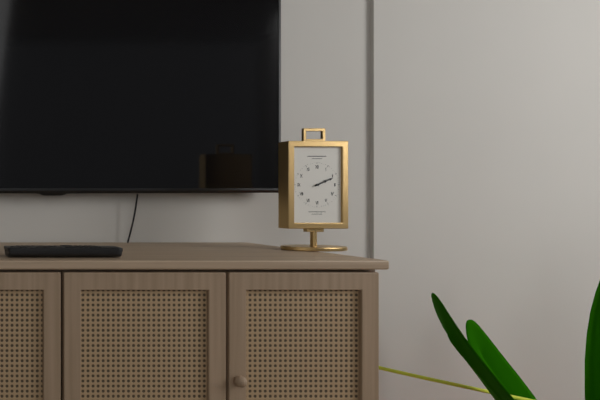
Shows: 2:11
